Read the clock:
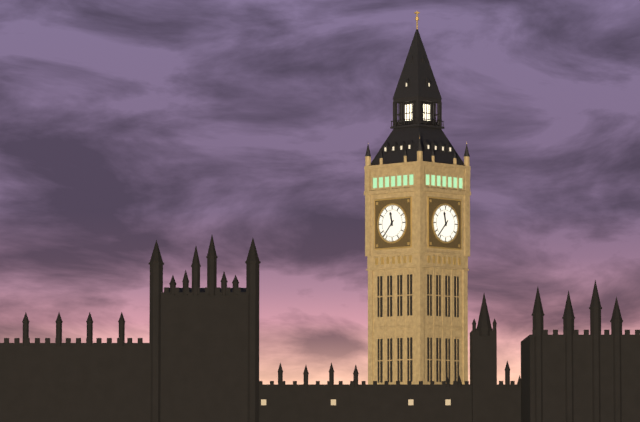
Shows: 11:37
